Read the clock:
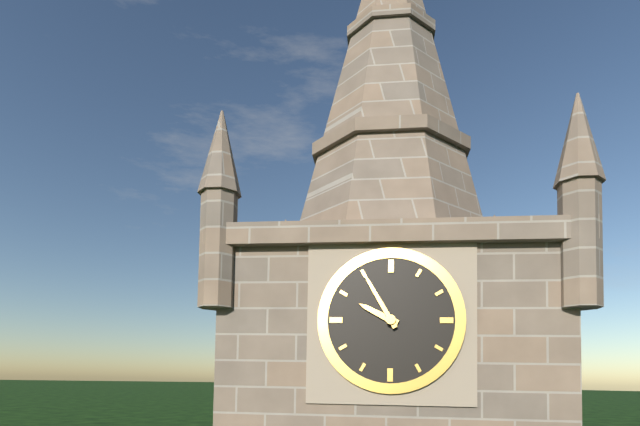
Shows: 9:55
